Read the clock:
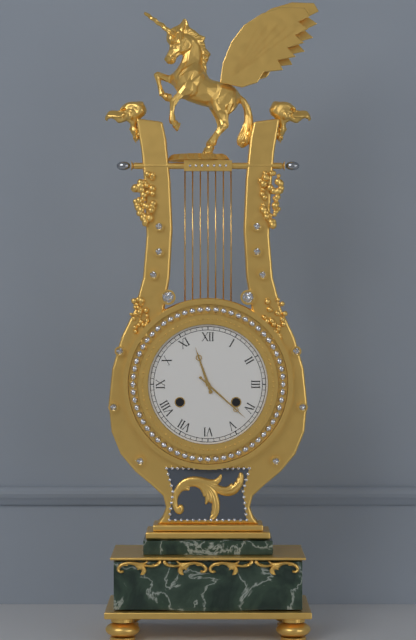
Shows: 11:22
